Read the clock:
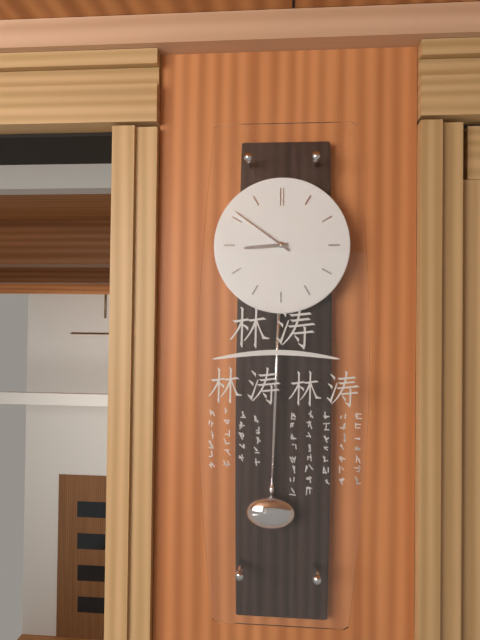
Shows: 8:51
